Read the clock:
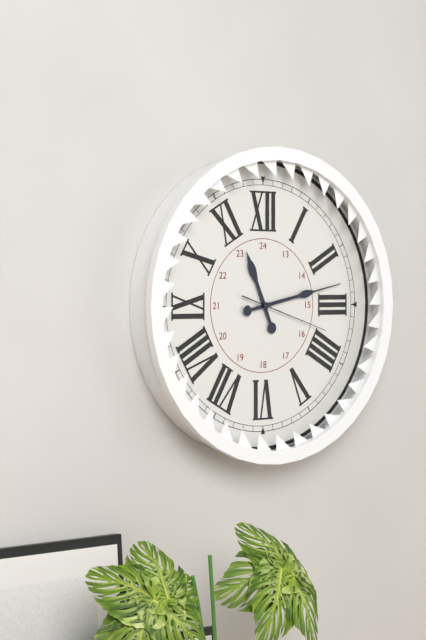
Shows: 11:13:18
